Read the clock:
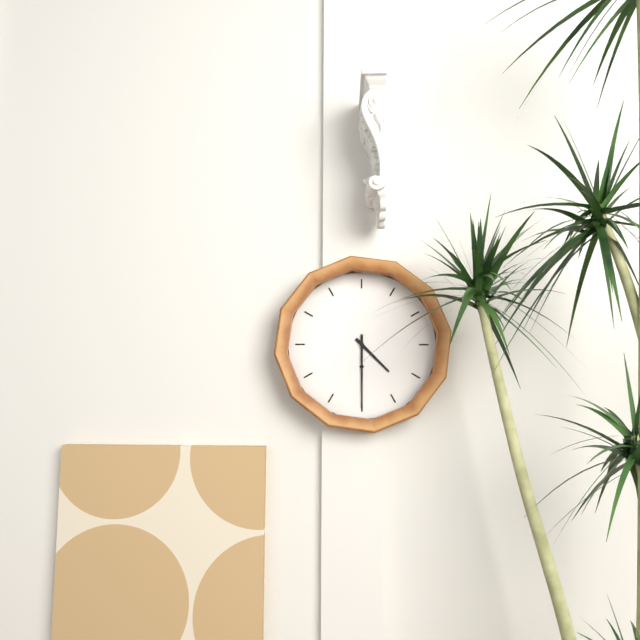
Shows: 4:30
